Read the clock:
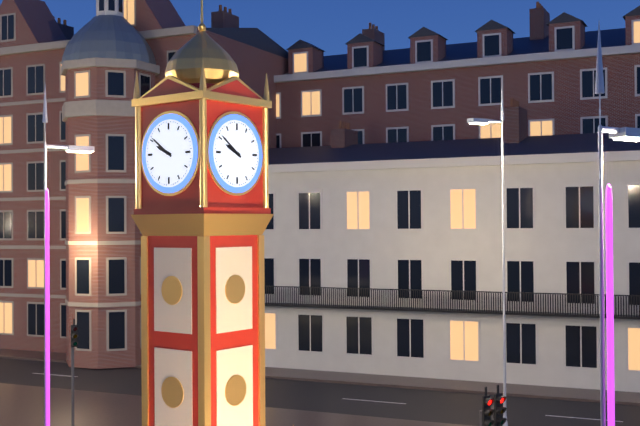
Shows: 9:51
